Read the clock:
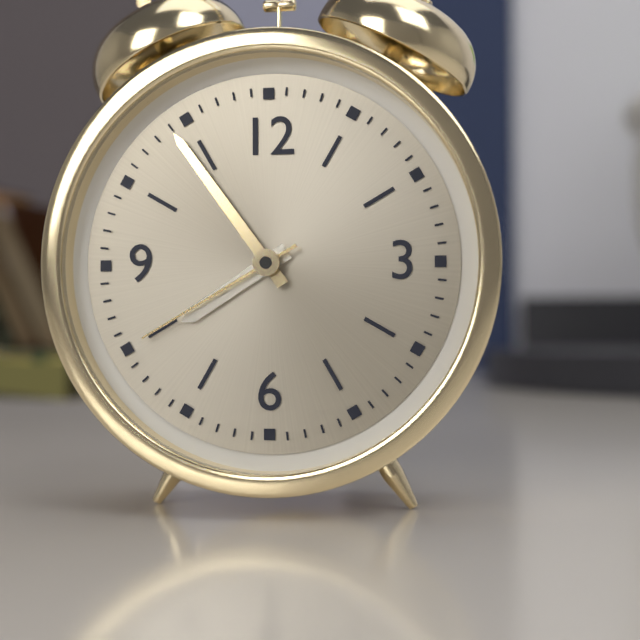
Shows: 7:54:40
